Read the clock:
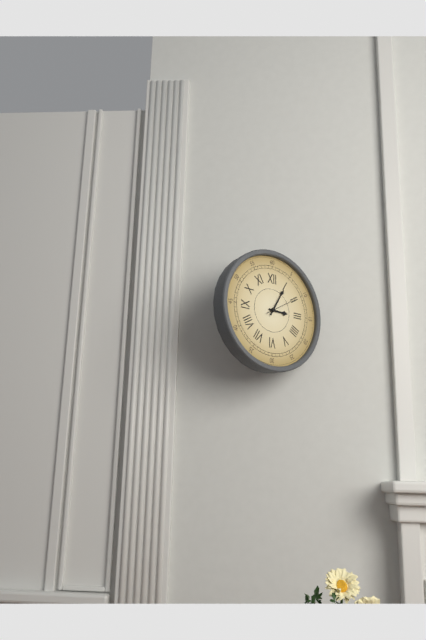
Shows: 3:05
